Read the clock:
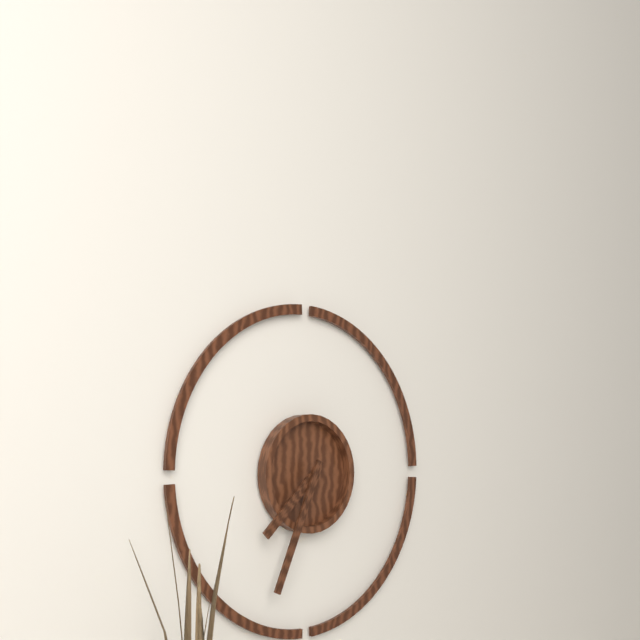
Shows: 7:34
